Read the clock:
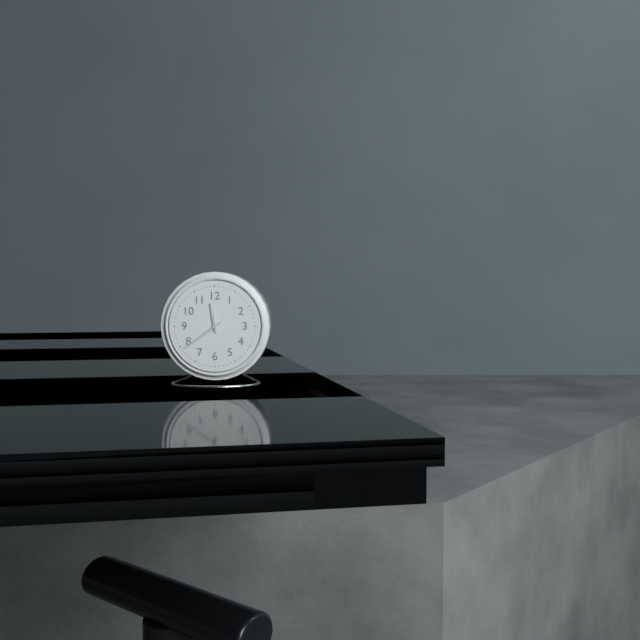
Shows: 11:39
